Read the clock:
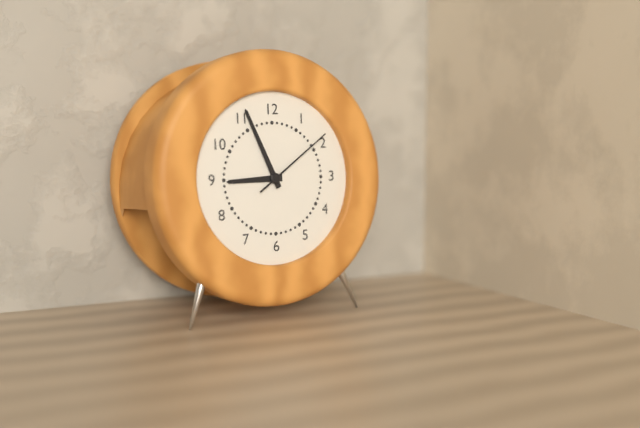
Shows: 8:56:09
